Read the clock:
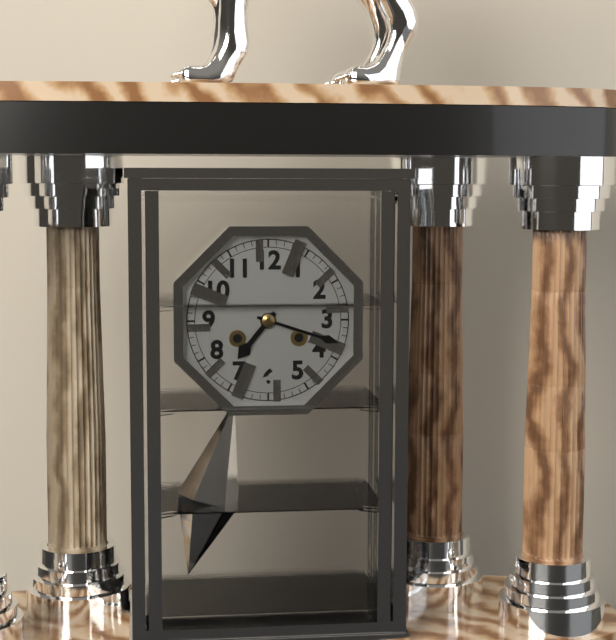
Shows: 7:18
